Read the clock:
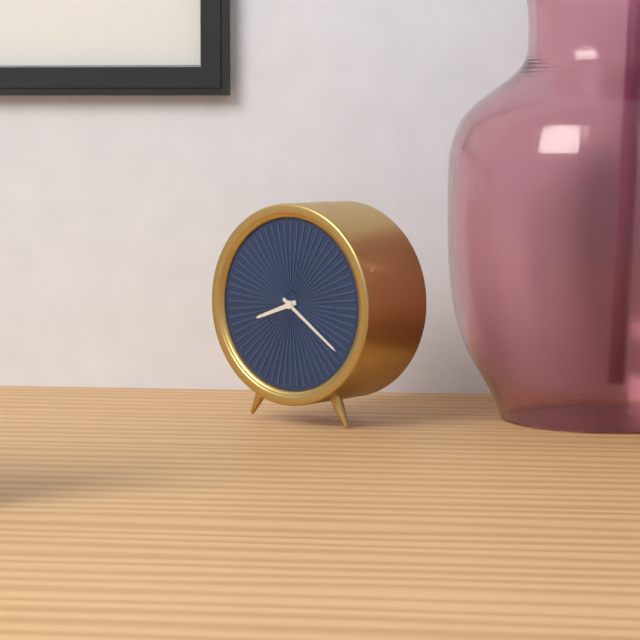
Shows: 8:21
